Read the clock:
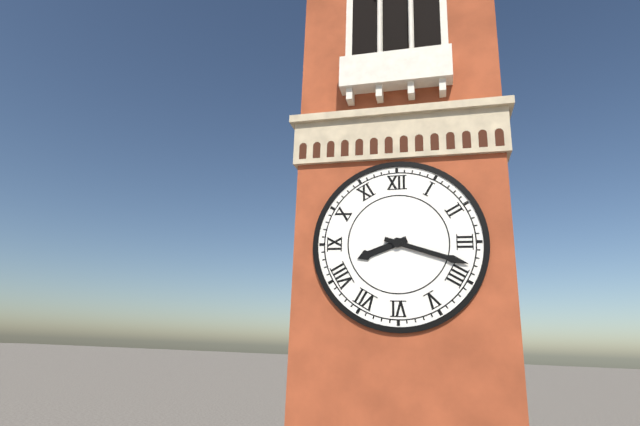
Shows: 8:18
